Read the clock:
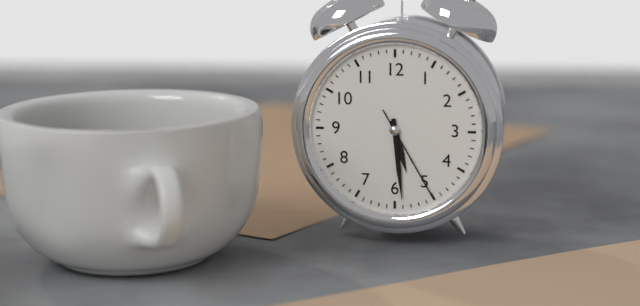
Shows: 5:29:25
